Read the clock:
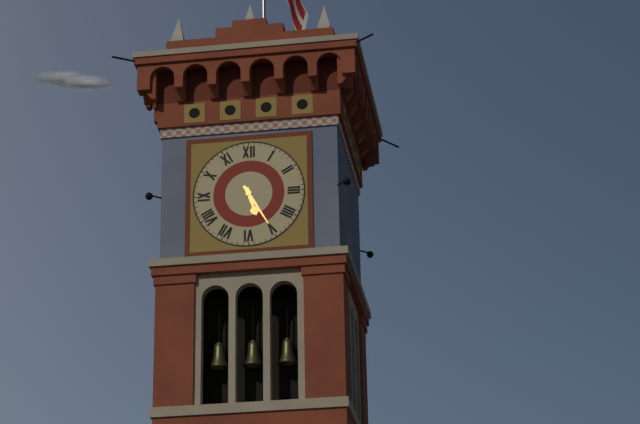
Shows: 5:25
